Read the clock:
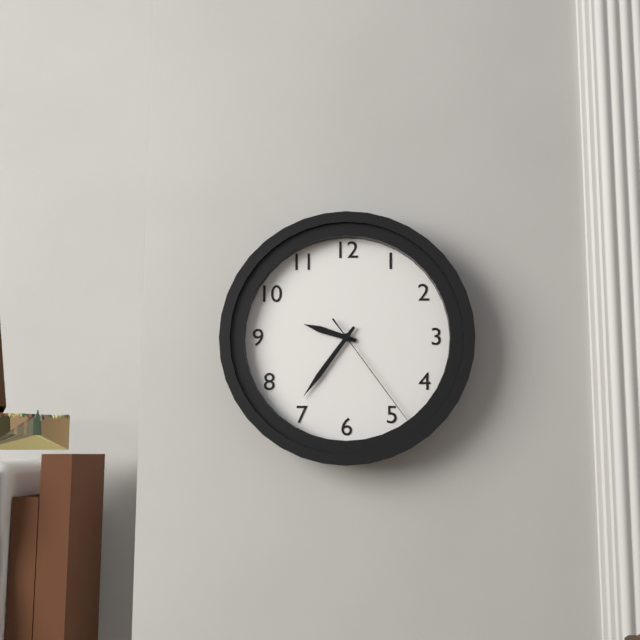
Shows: 9:36:24
